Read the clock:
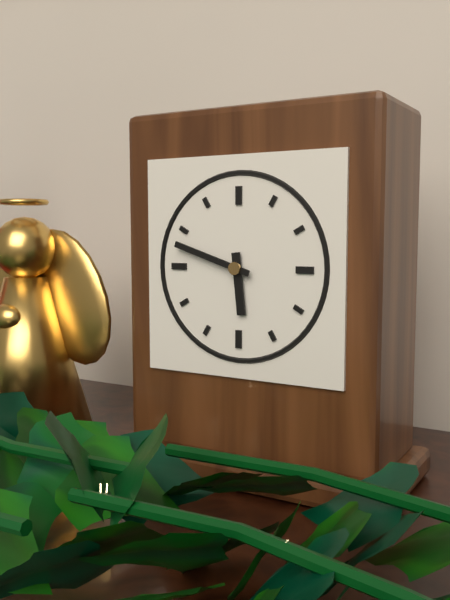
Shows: 5:48
